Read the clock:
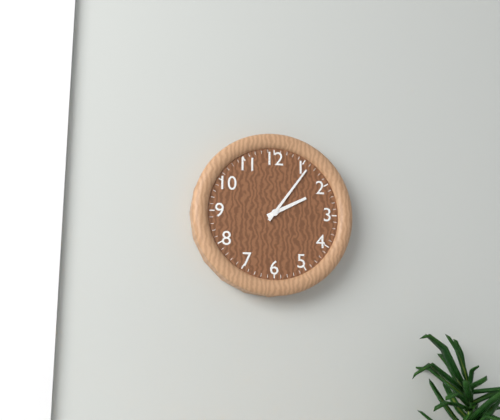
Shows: 2:06
